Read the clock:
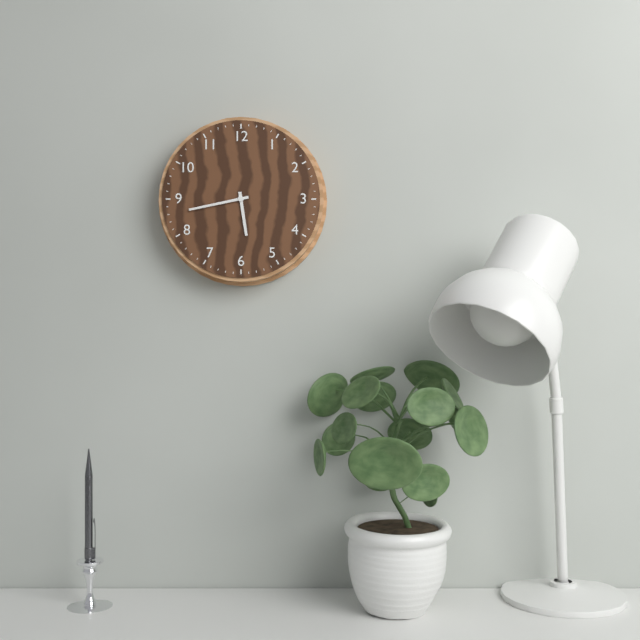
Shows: 5:43
